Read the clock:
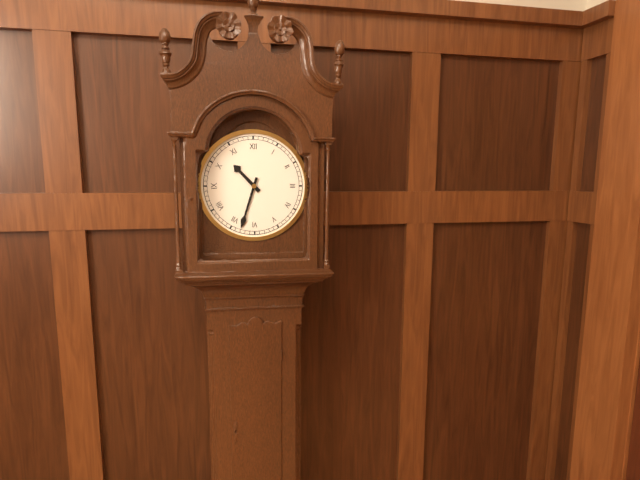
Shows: 10:33
